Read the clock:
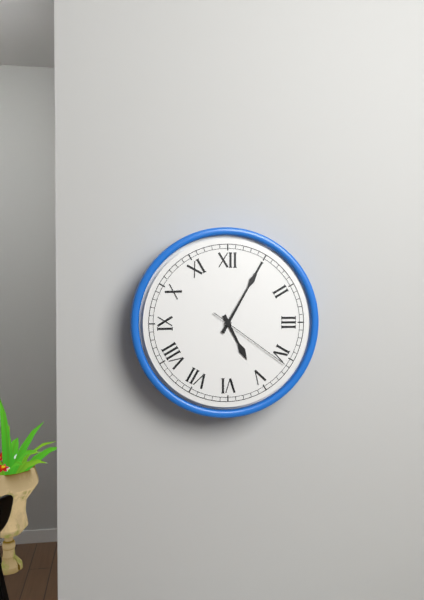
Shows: 5:05:21
